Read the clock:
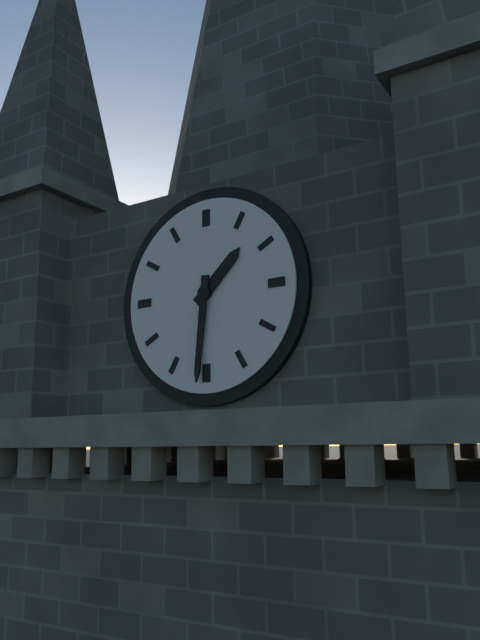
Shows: 1:31
